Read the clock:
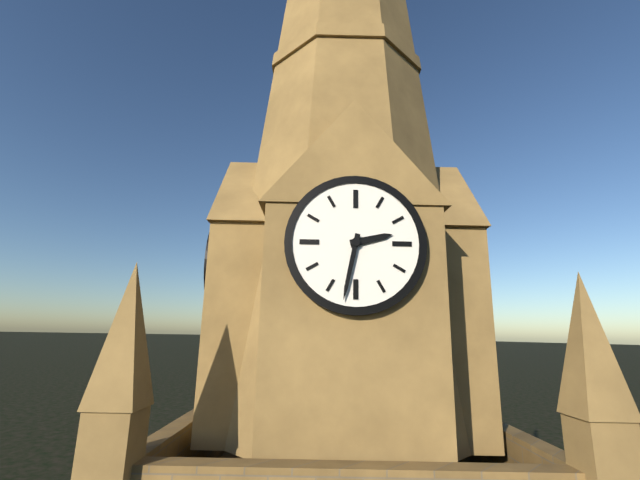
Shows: 2:32
